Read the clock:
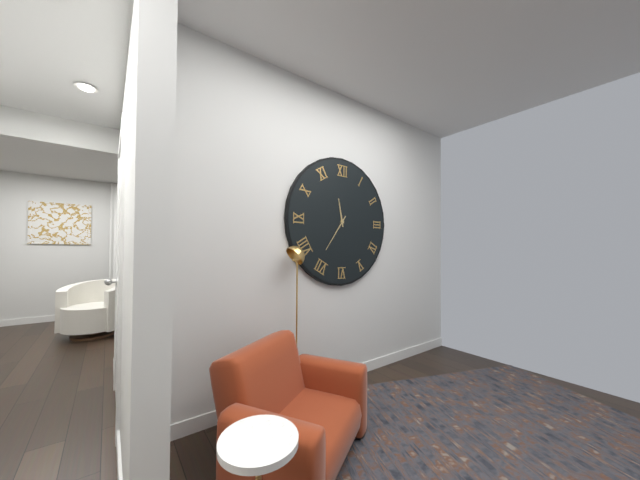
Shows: 11:36
